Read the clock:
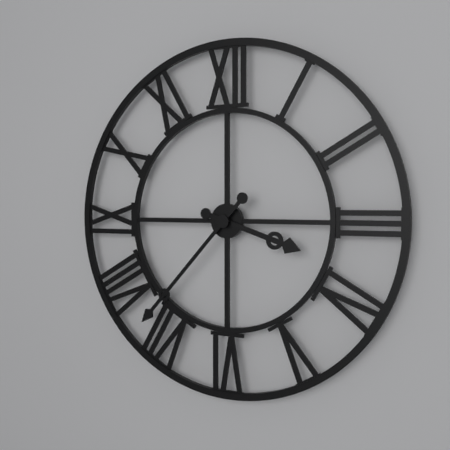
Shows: 3:37
